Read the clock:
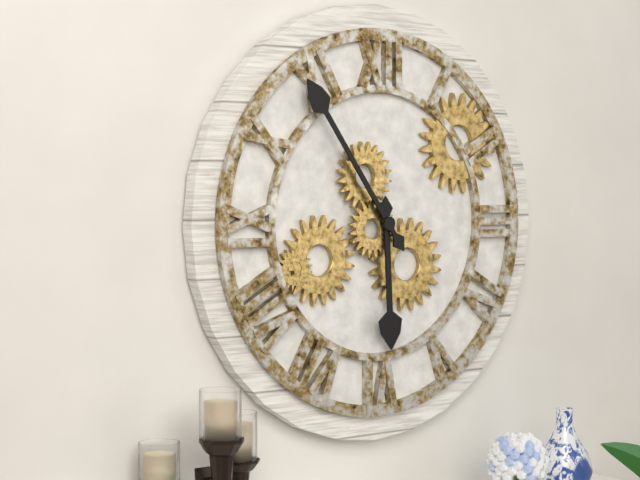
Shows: 5:54
